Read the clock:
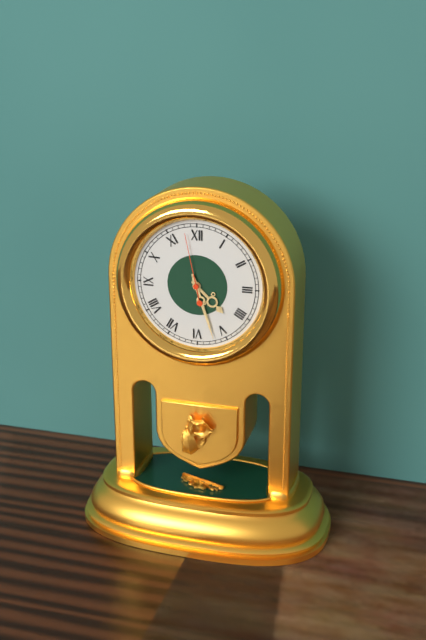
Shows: 4:27:58
